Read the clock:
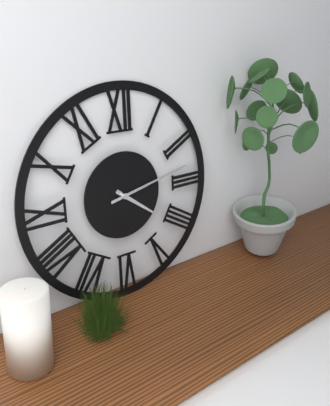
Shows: 4:13
